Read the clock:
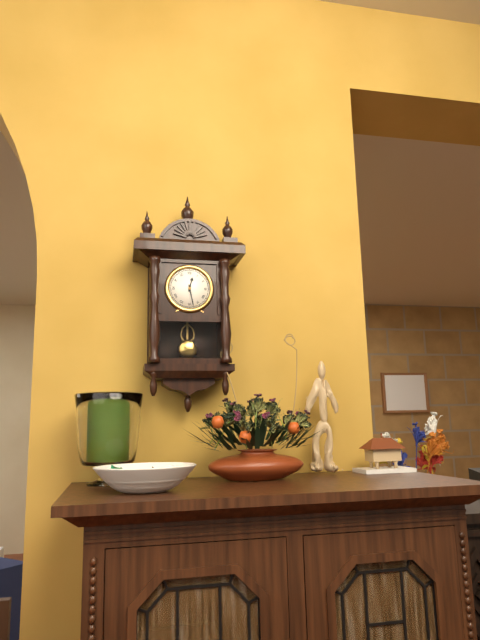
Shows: 12:28
